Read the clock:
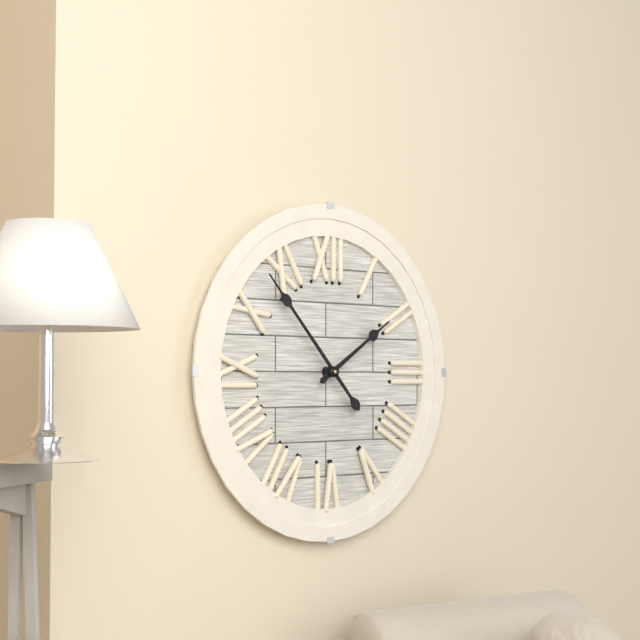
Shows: 1:53
